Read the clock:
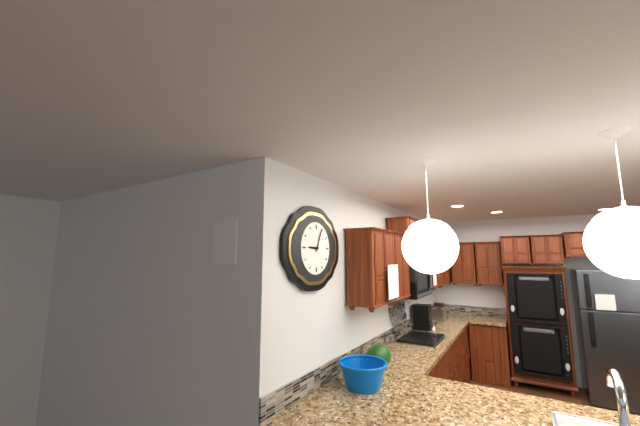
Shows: 9:04
